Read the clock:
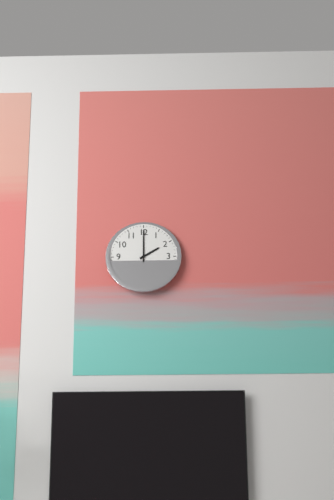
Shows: 2:00
